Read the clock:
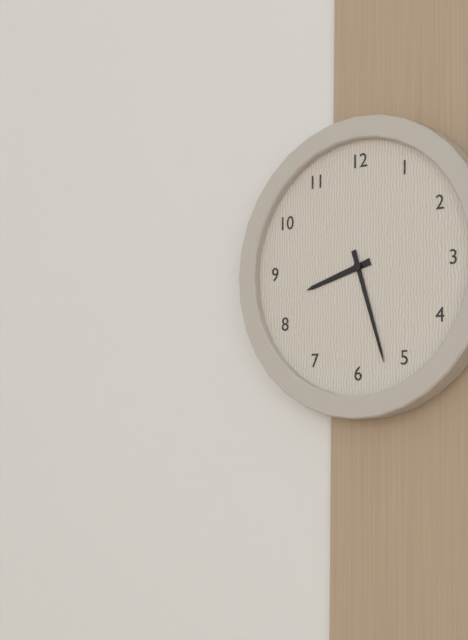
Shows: 8:27
